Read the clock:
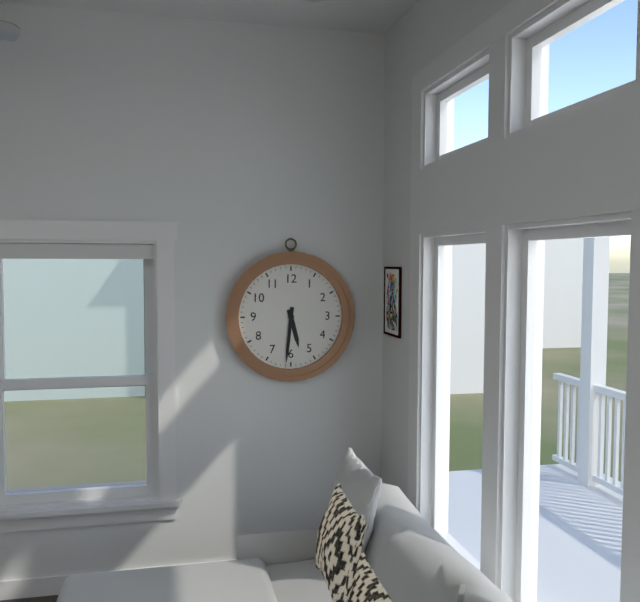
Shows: 5:31
